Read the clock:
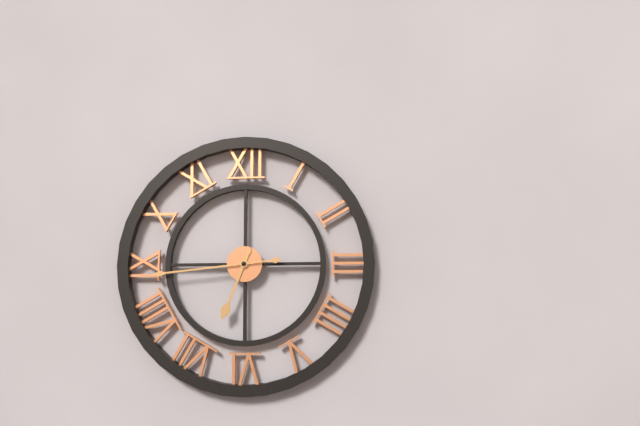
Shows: 6:44
